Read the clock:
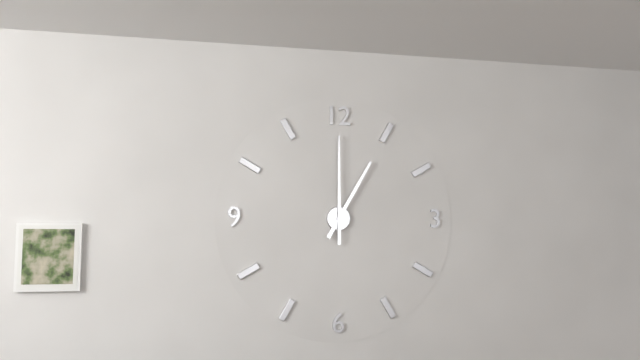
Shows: 1:00
